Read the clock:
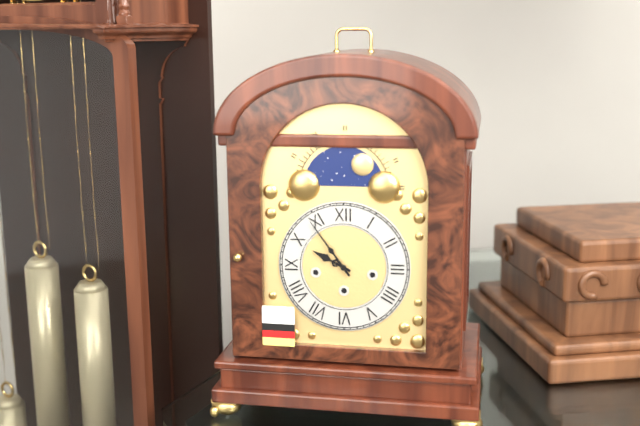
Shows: 9:54
